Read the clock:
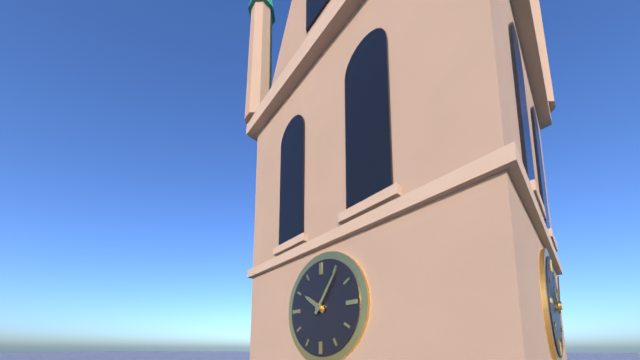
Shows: 10:06
